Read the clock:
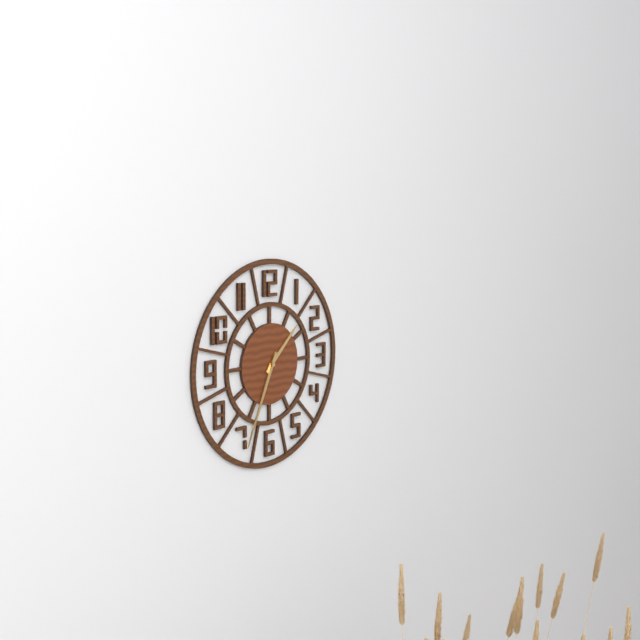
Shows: 1:34
